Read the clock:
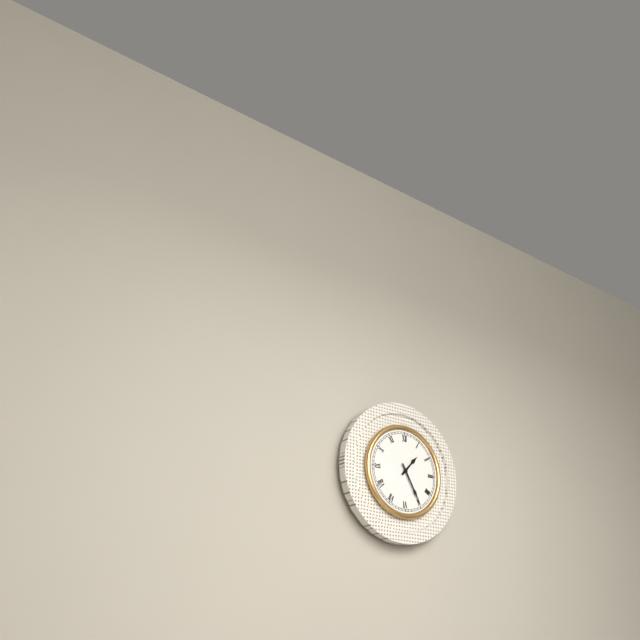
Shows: 1:25
